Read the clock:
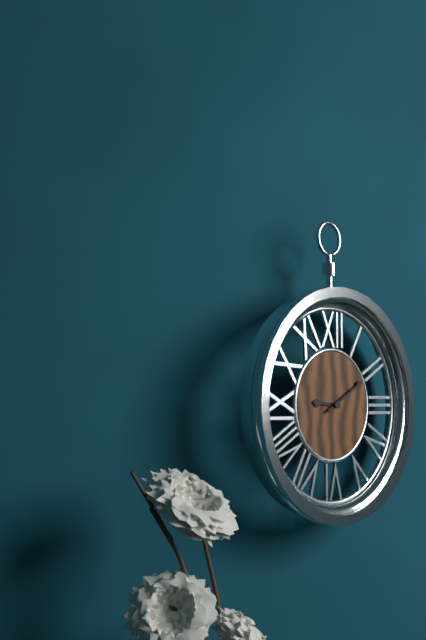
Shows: 9:10
